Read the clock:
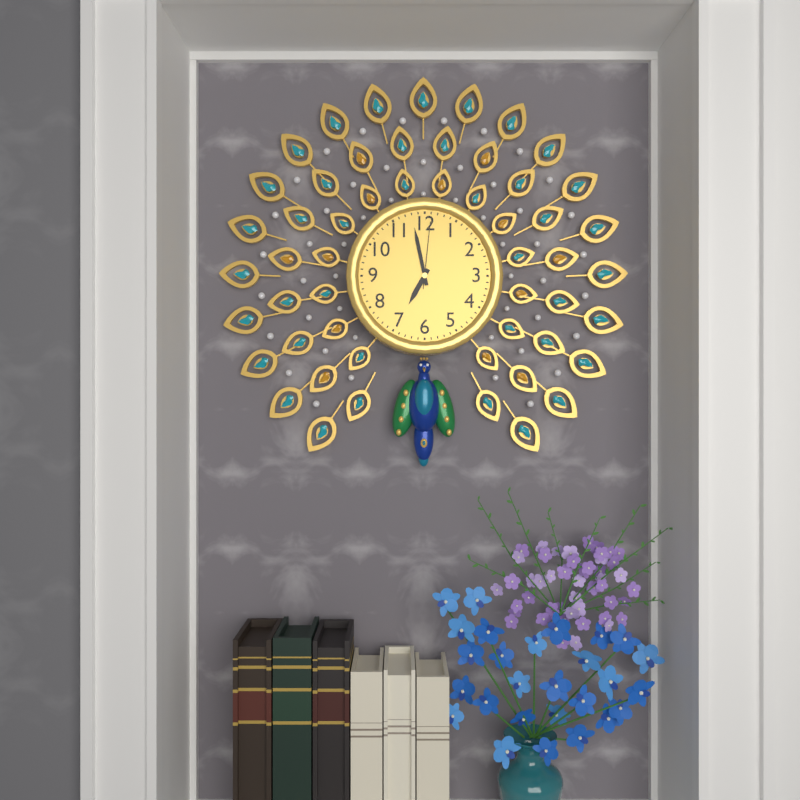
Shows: 6:58:01
